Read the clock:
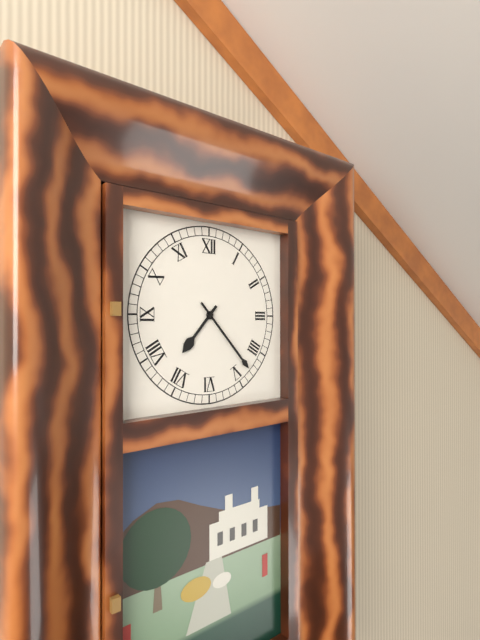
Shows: 7:23
